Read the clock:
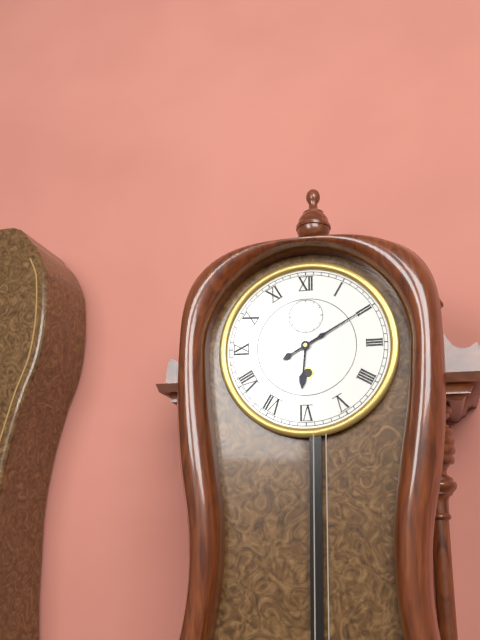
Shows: 6:10
